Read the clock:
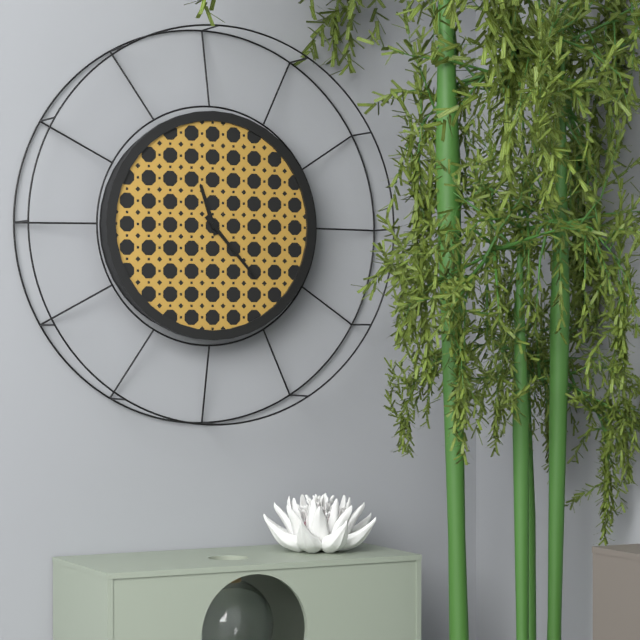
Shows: 11:23
